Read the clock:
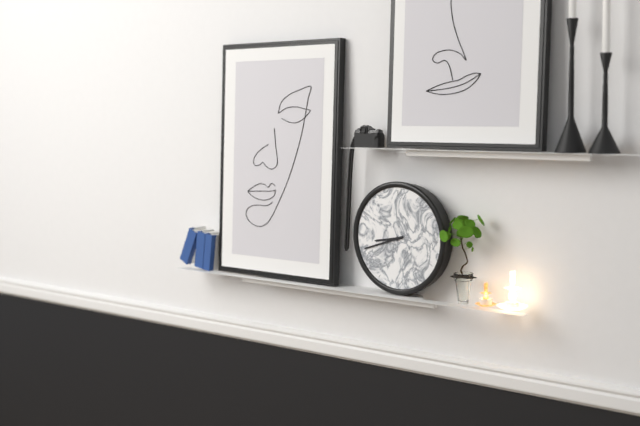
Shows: 8:42
